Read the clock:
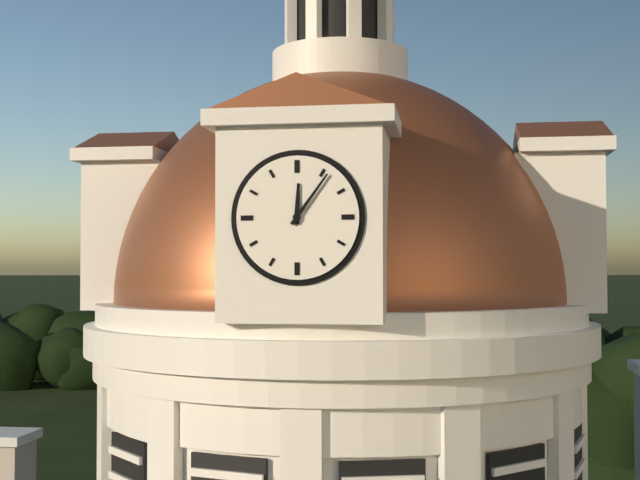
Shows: 12:06
